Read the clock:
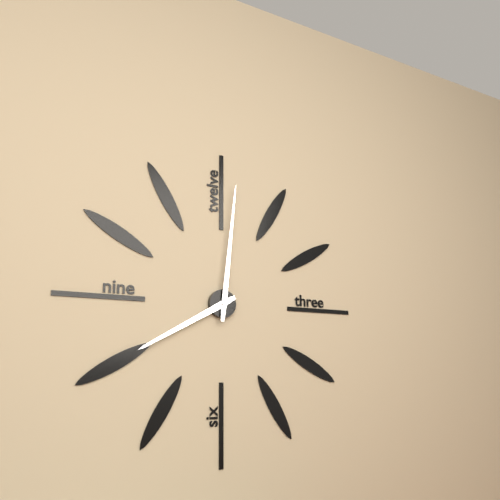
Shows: 8:01
